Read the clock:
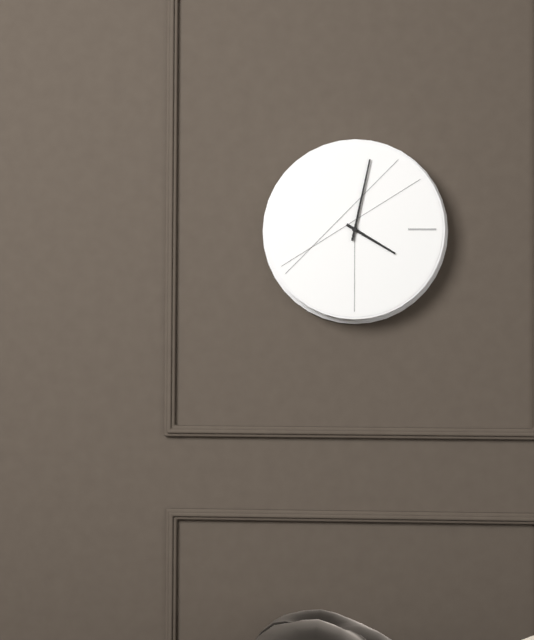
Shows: 4:02
